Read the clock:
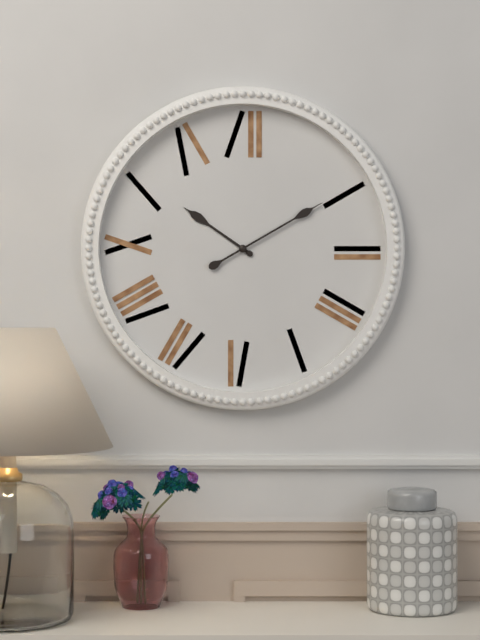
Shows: 10:10
